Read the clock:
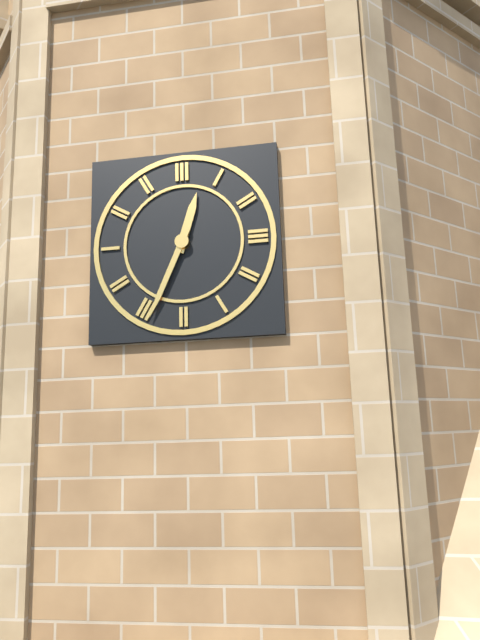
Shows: 12:34
